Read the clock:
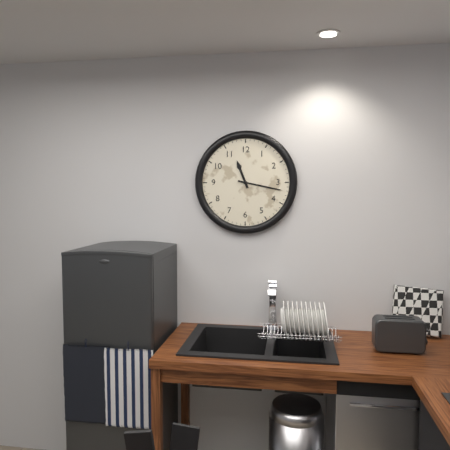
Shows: 11:17
